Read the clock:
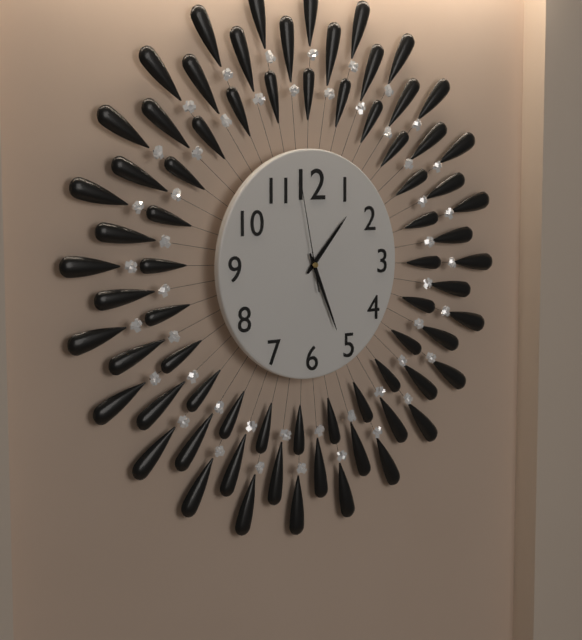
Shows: 1:26:58
